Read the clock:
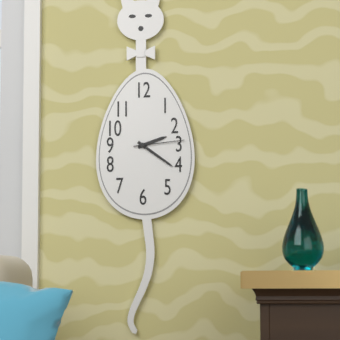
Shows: 2:21:14
